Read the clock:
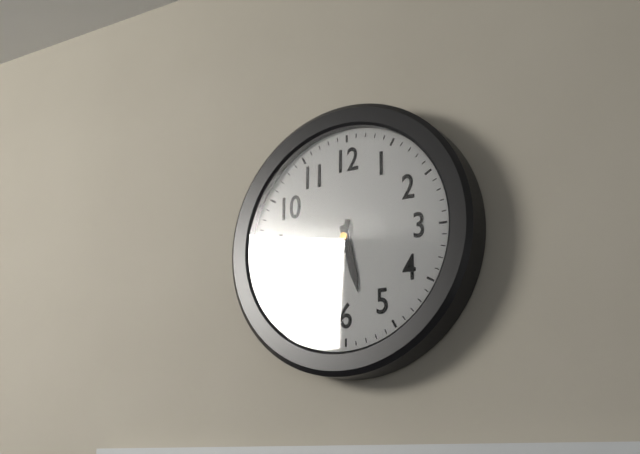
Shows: 5:32
